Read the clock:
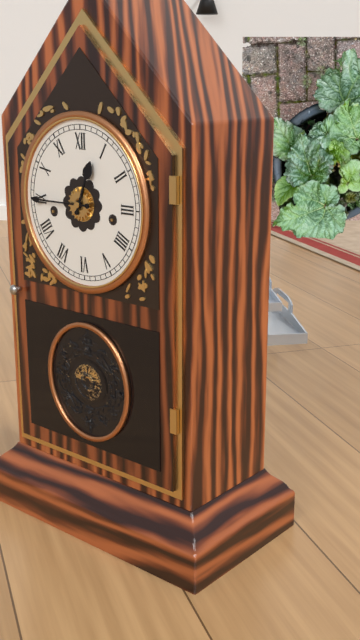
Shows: 12:45
